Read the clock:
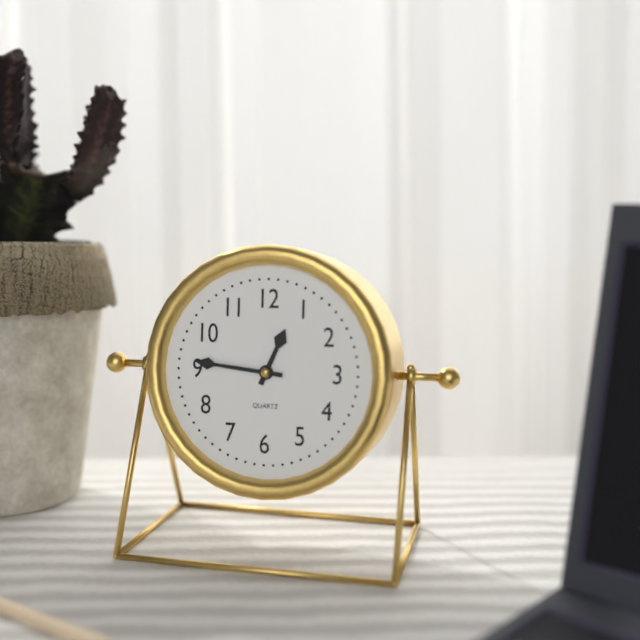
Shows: 12:46
